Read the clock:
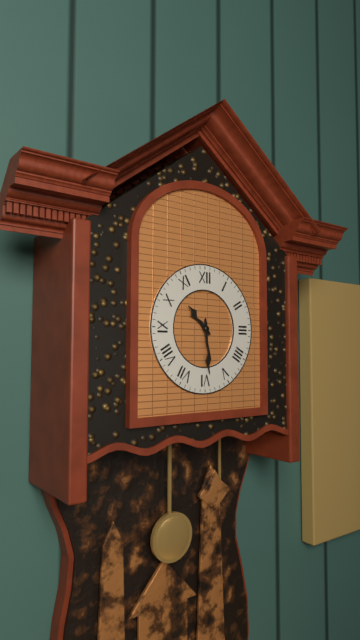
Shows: 10:29
